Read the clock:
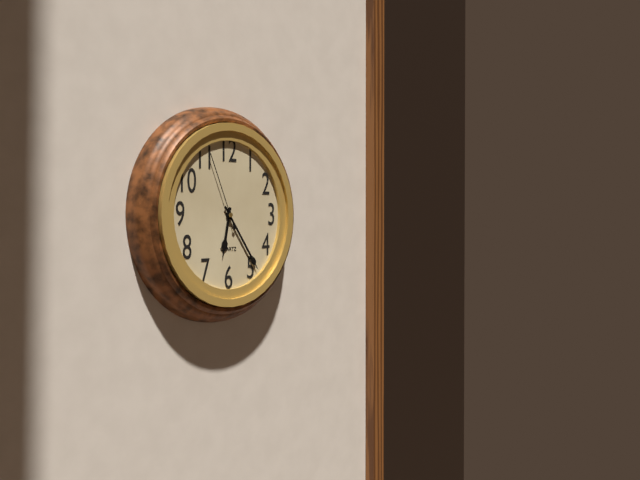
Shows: 6:24:56
